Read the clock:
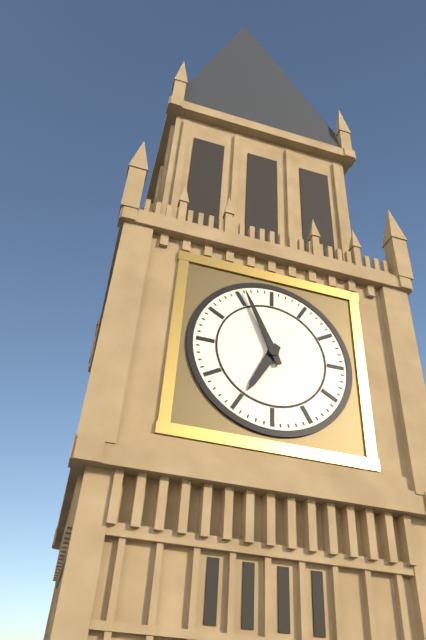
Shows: 6:56
